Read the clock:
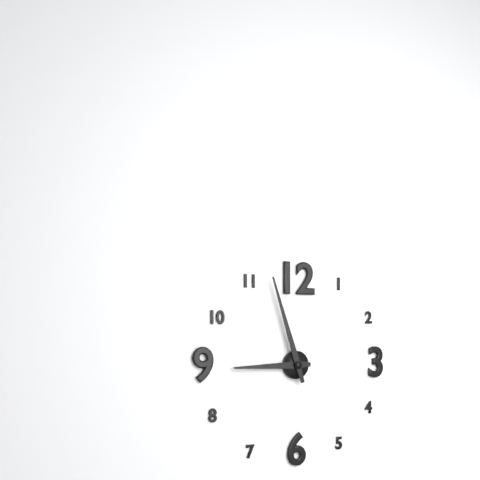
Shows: 8:57
